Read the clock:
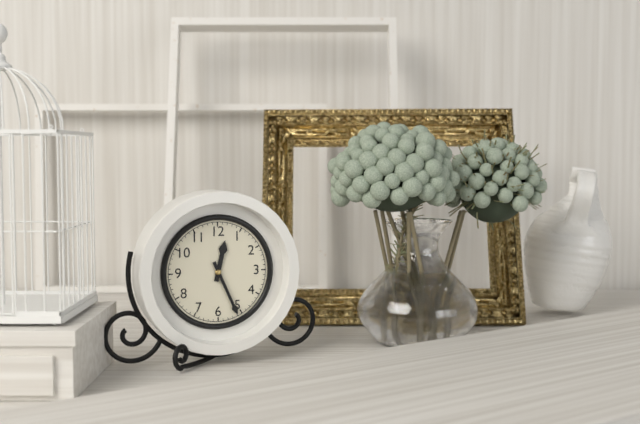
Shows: 12:26
